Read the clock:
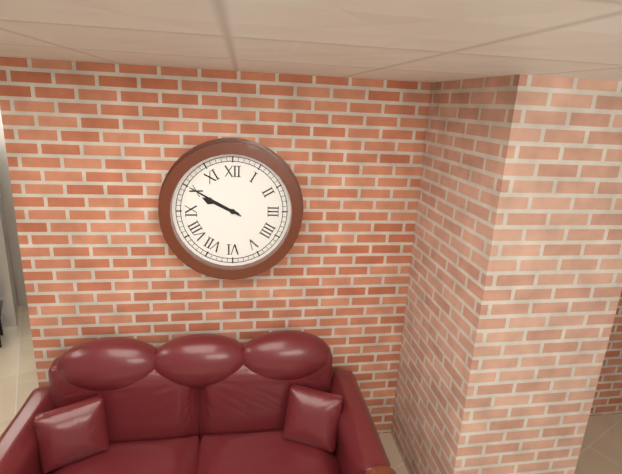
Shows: 9:50
